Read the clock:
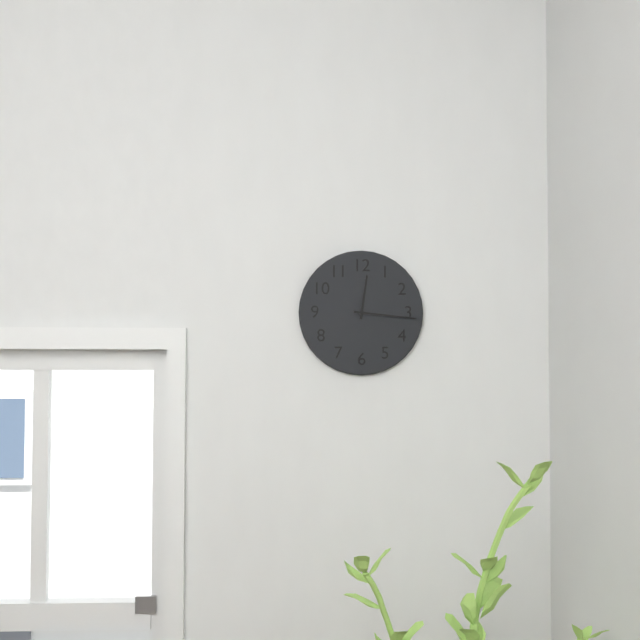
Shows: 12:16
